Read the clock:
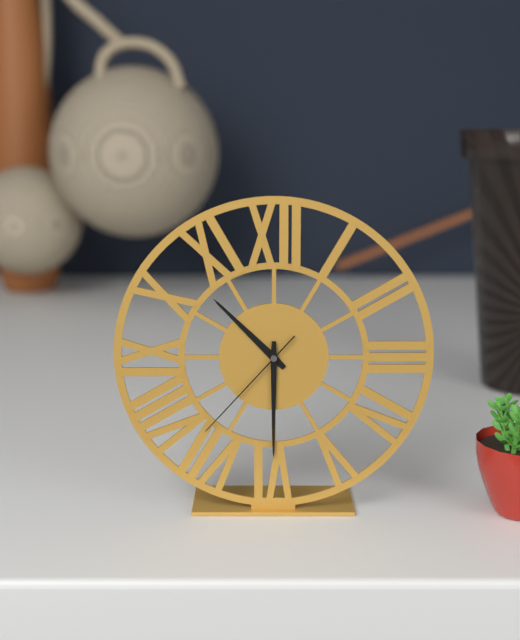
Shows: 10:30:37
